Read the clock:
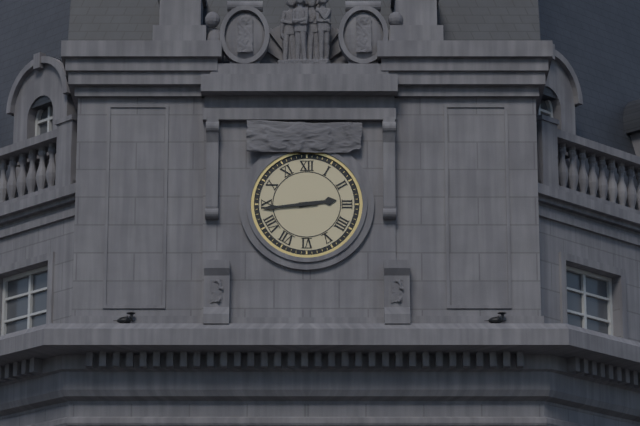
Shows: 2:44
